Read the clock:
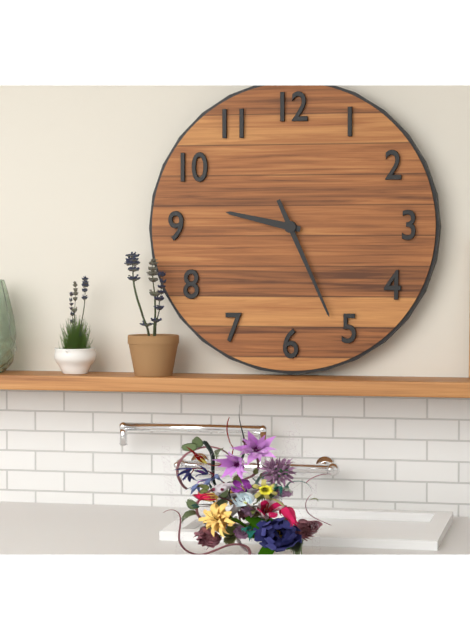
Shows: 9:26
